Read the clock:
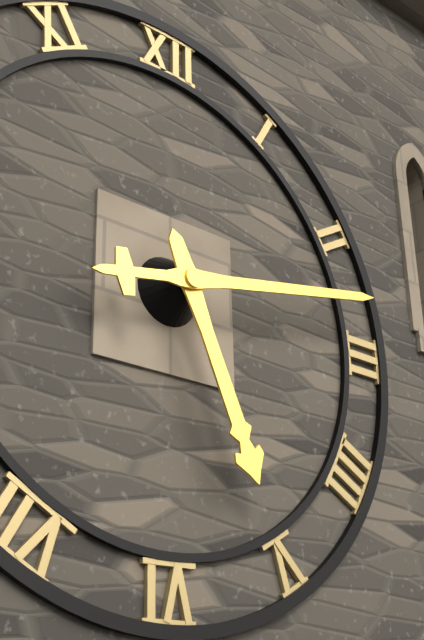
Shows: 5:13
